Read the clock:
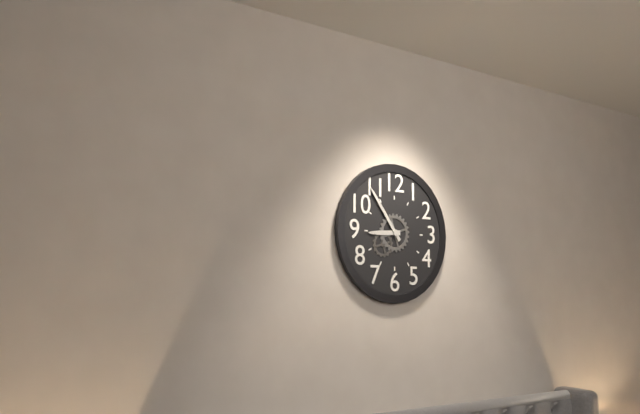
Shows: 8:54
